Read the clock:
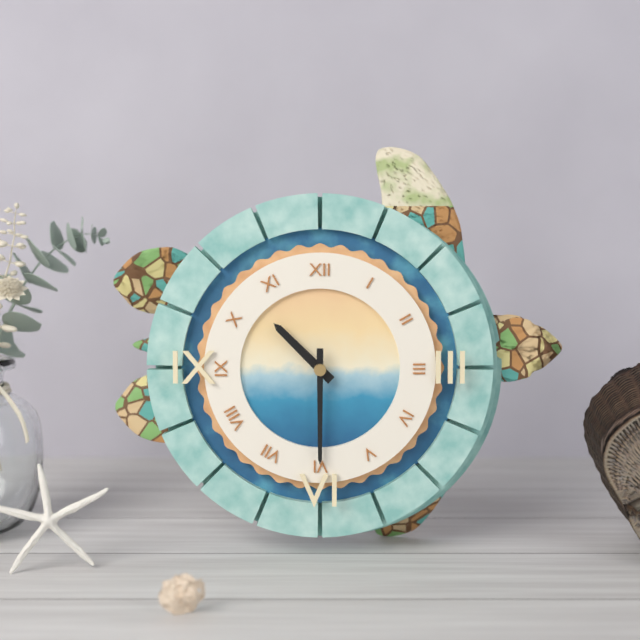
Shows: 10:30
